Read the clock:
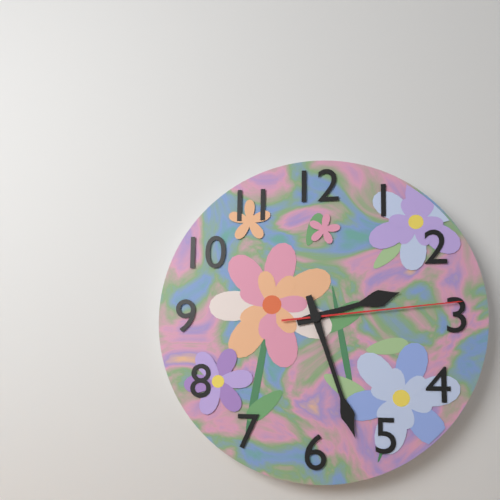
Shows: 2:27:14
